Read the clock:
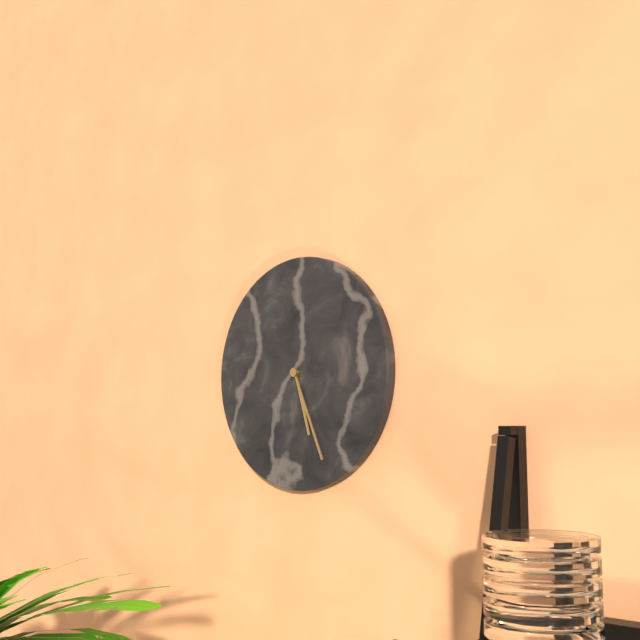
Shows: 5:26
